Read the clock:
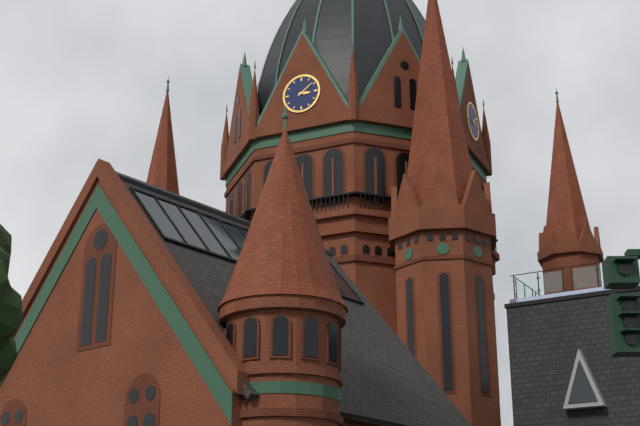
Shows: 3:09
